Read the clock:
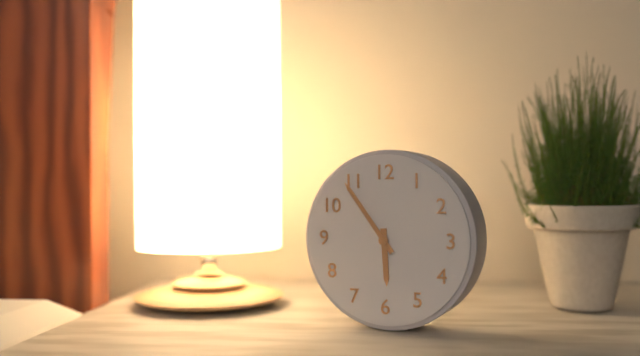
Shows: 5:54
